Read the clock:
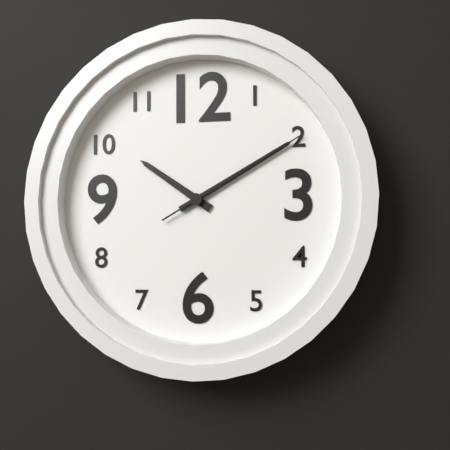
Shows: 10:10:10
